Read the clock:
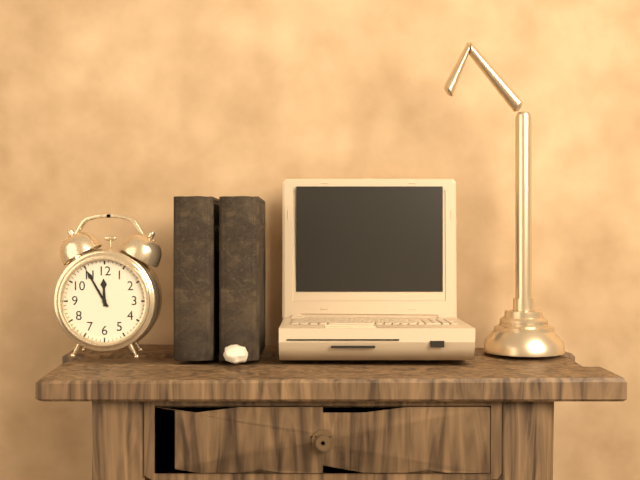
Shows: 11:55
